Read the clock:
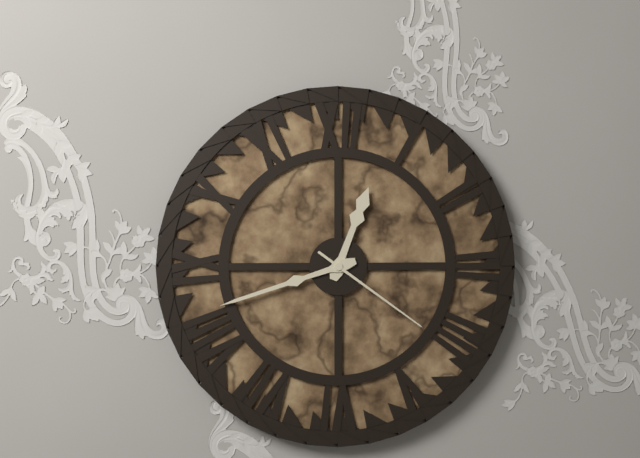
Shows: 12:42:21
